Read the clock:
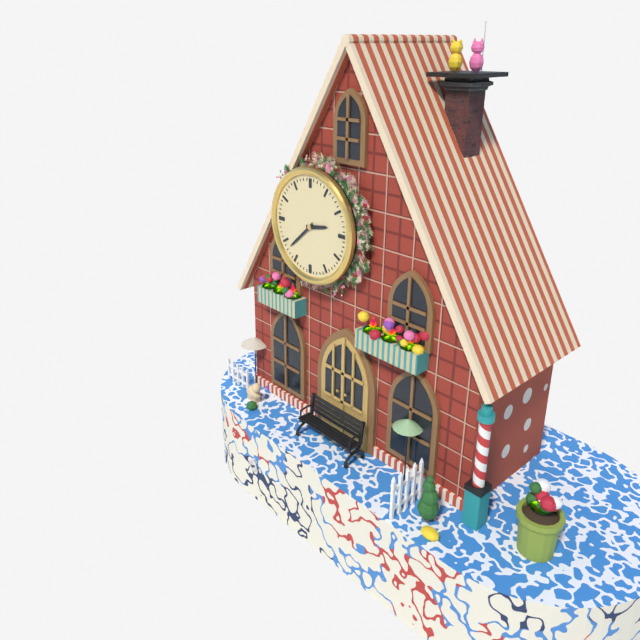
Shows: 2:38
